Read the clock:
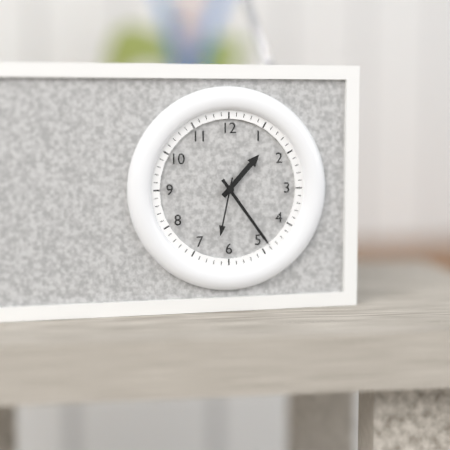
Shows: 1:24:32
